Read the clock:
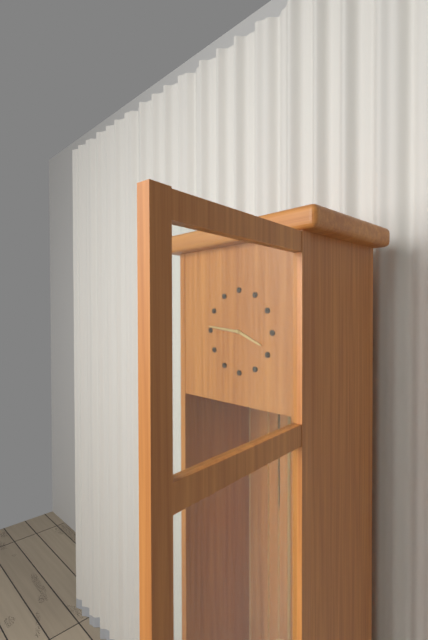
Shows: 3:46
